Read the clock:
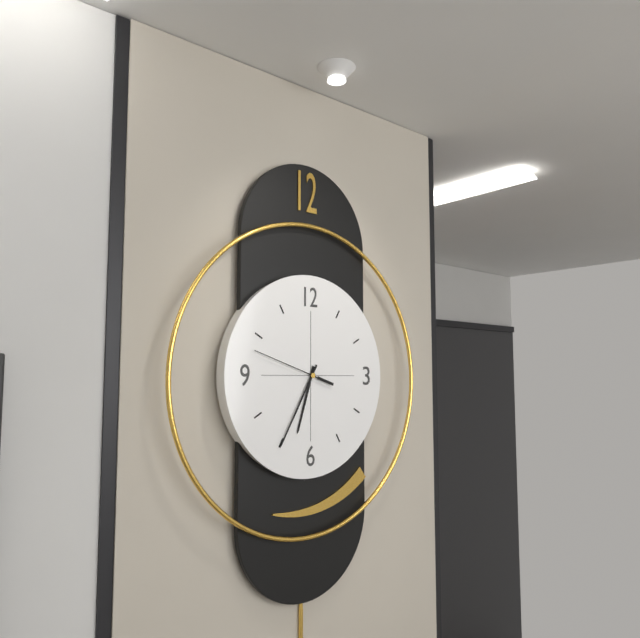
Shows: 6:35:48
